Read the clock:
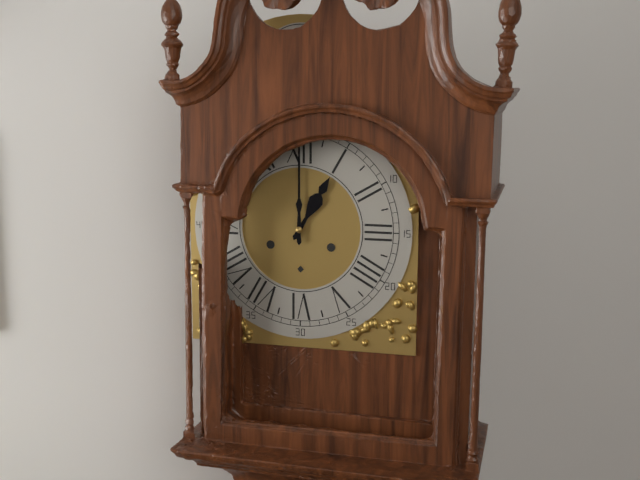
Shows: 1:00
